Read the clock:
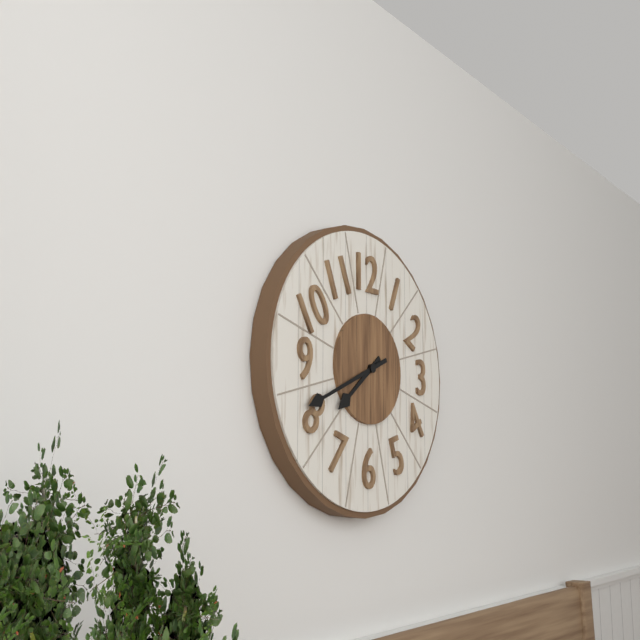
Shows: 7:41
